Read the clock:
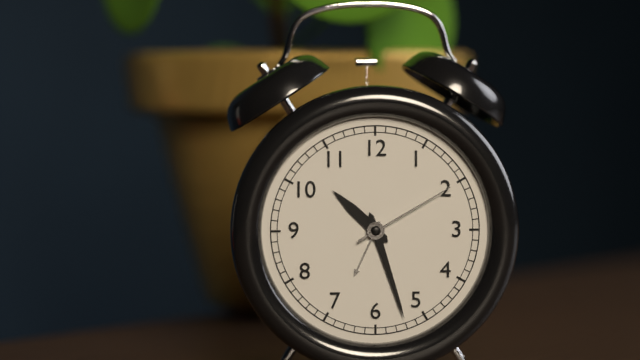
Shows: 10:27:10
